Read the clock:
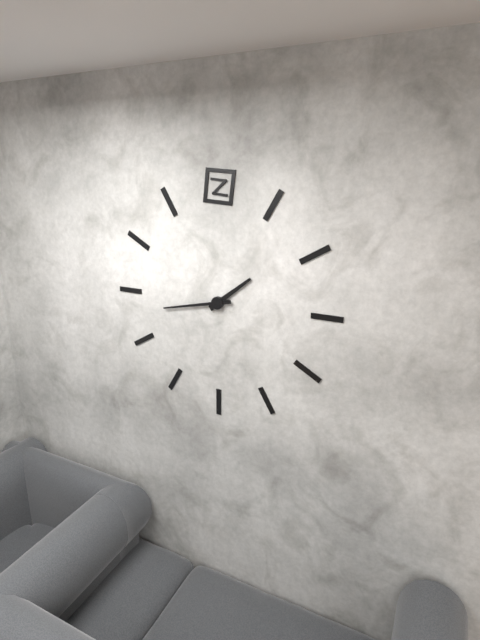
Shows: 1:43
